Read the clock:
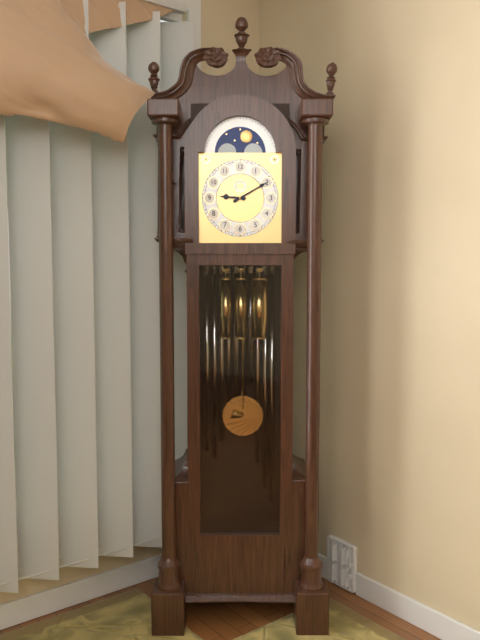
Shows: 9:10
